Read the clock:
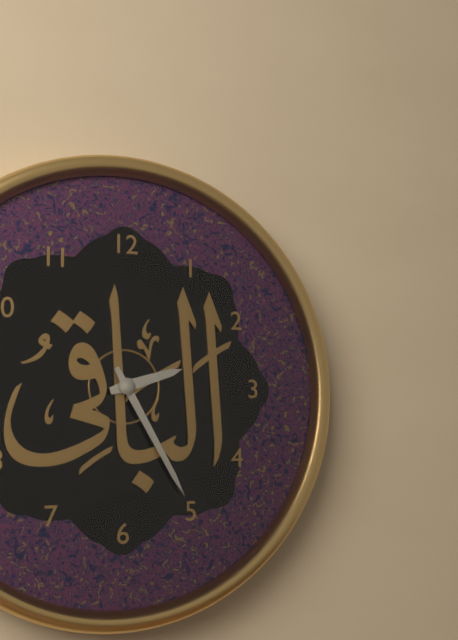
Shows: 2:25
